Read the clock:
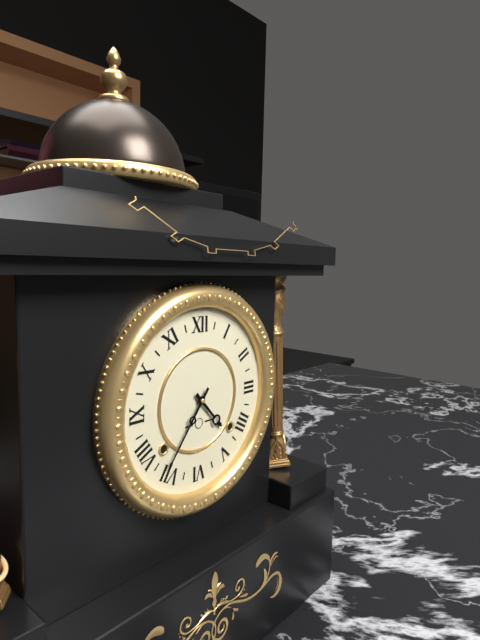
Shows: 4:36
